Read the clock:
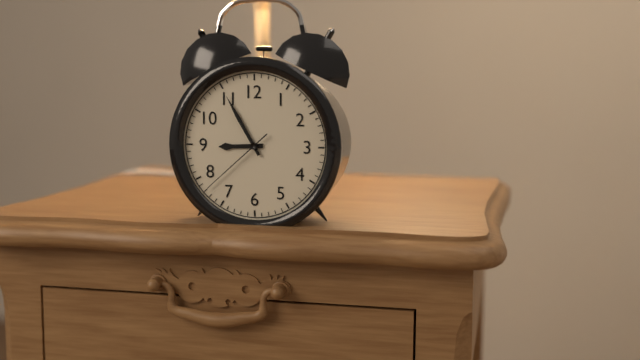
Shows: 8:55:38
